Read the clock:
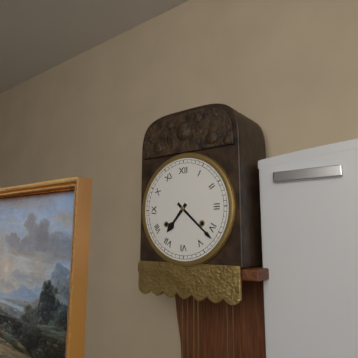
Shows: 7:22
